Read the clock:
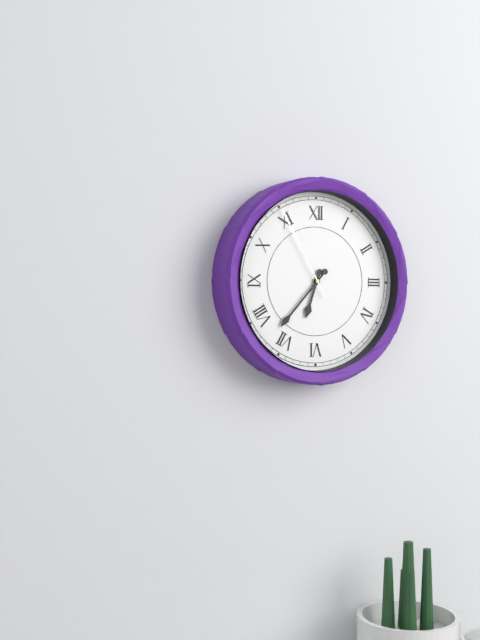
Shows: 6:37:55
